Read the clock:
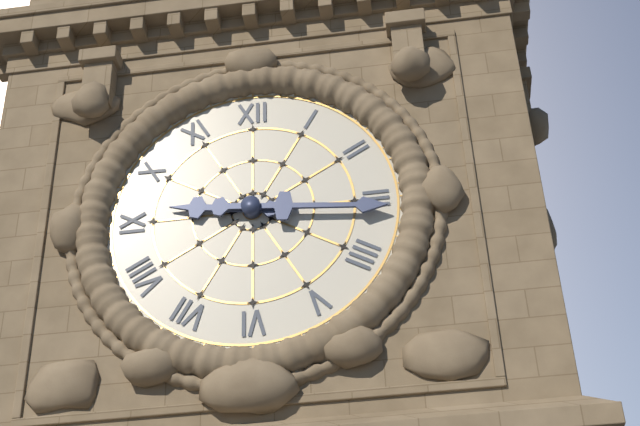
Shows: 9:16
